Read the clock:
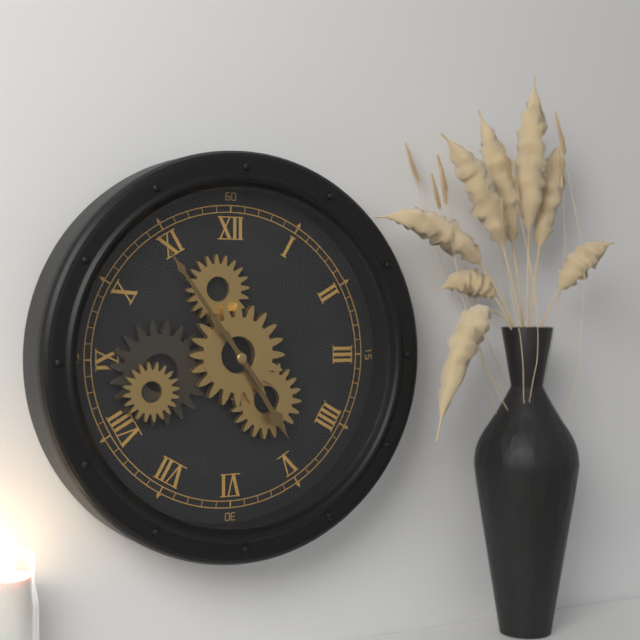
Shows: 4:54
